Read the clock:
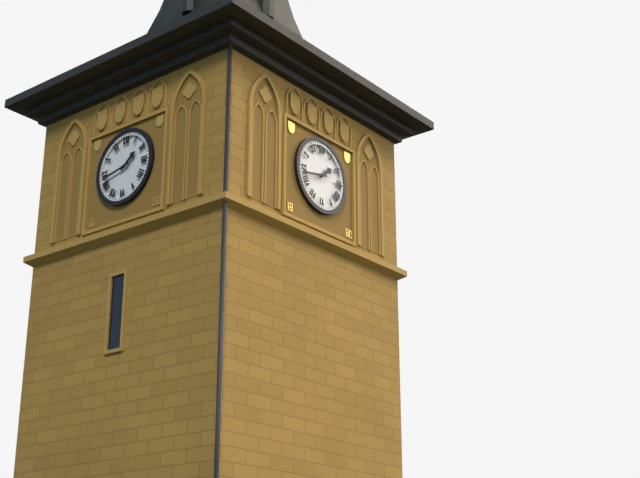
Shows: 1:43
